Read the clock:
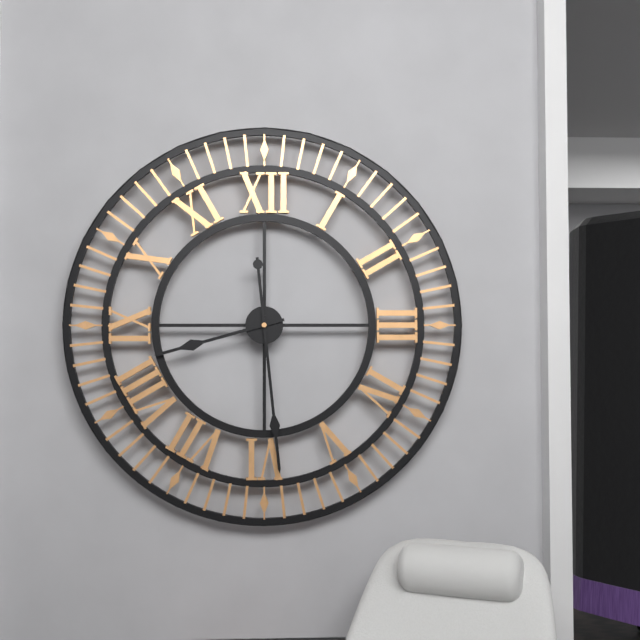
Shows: 8:29
